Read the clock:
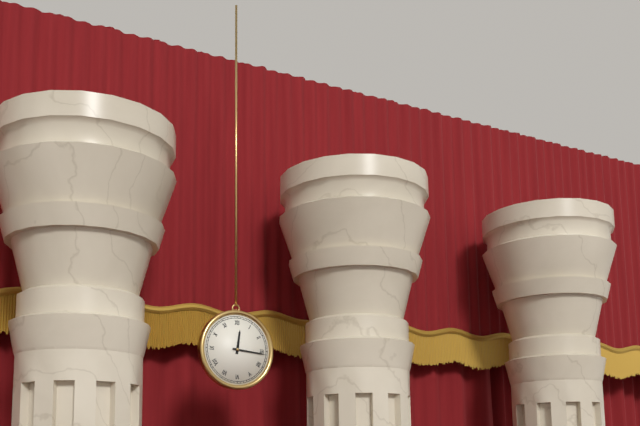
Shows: 12:16
